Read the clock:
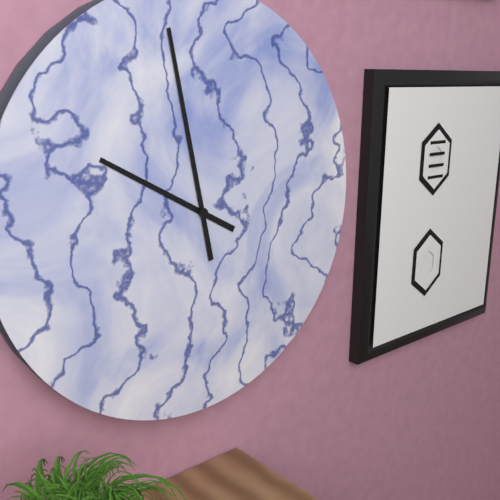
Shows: 9:58
